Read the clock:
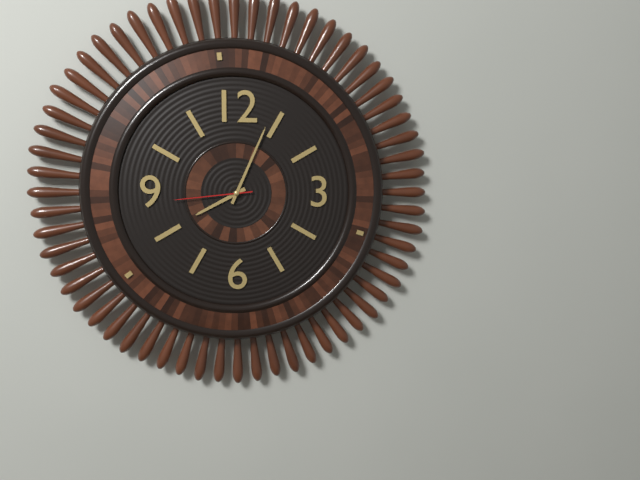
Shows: 8:04:44
